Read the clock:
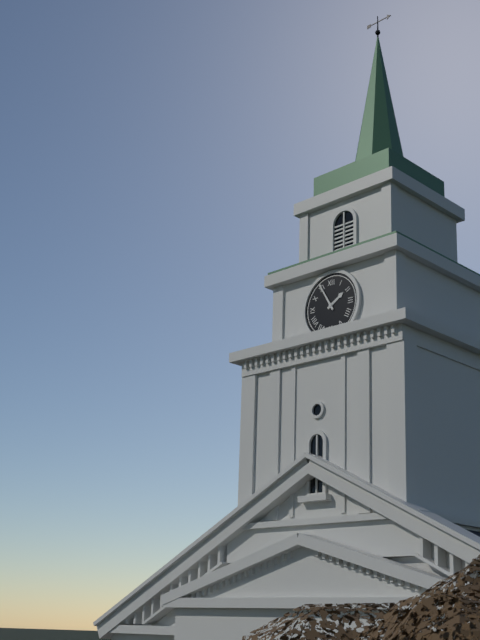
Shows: 1:55
